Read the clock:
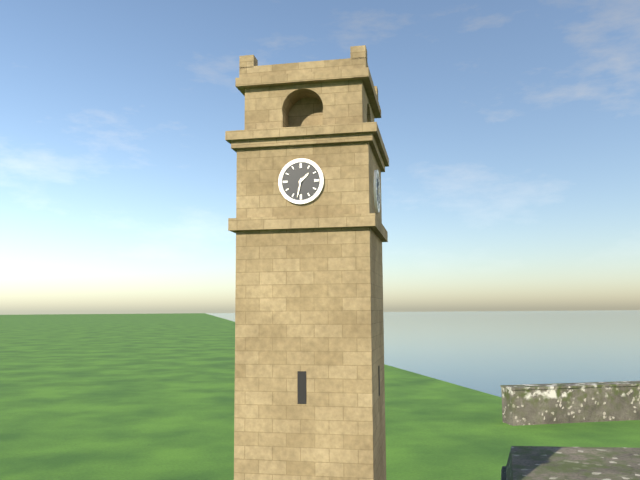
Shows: 1:32
